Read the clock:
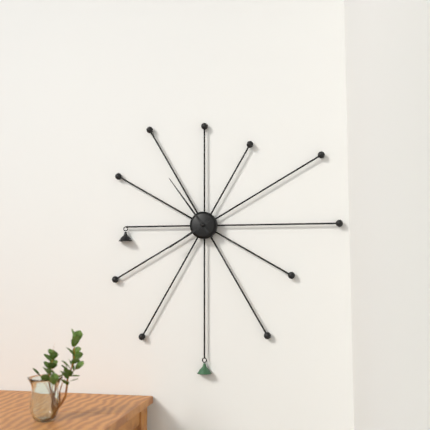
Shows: 7:54
